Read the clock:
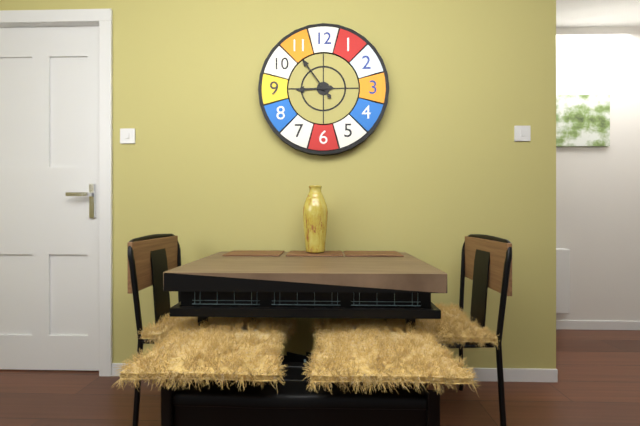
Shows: 8:54
